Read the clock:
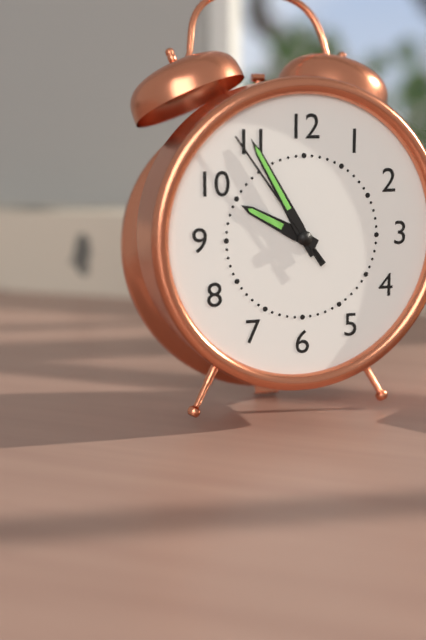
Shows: 9:55:54
